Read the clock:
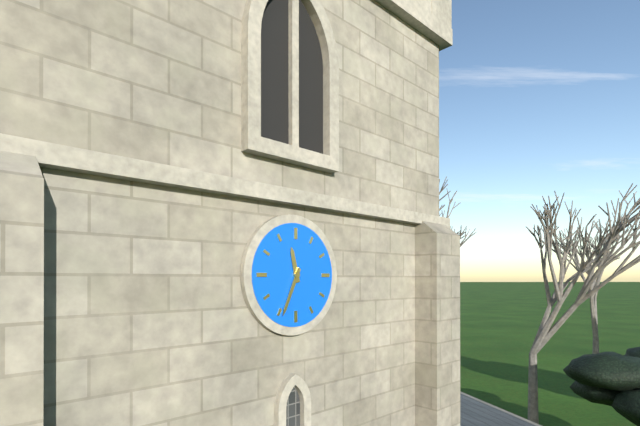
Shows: 11:34
